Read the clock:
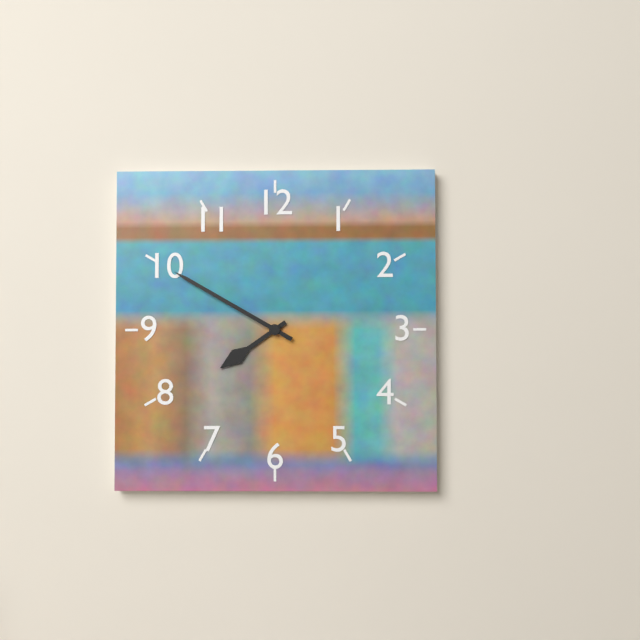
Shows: 7:50
